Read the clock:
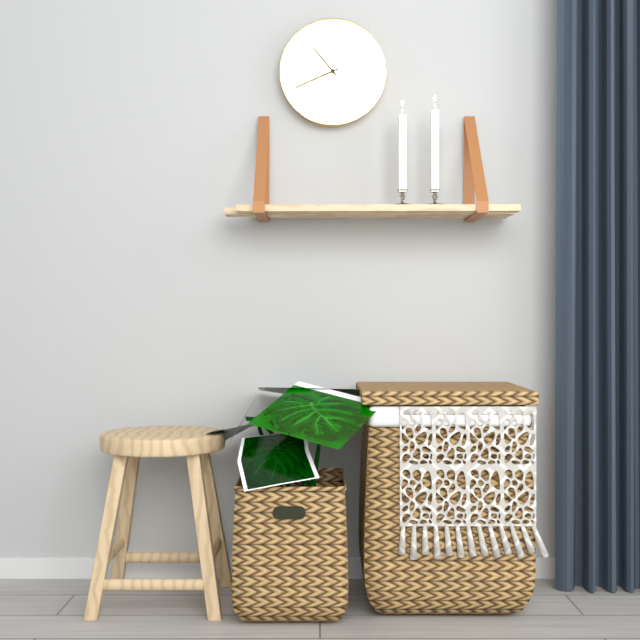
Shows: 10:41
